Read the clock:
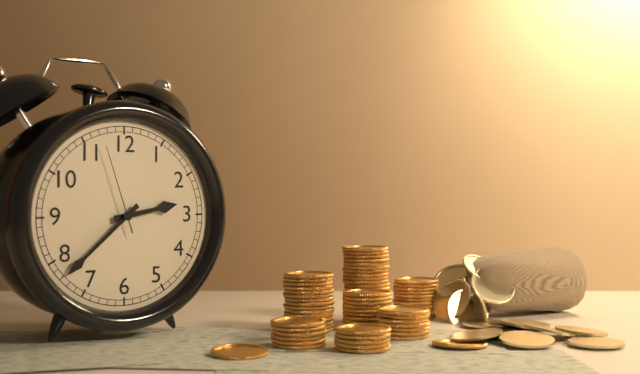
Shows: 2:38:57
